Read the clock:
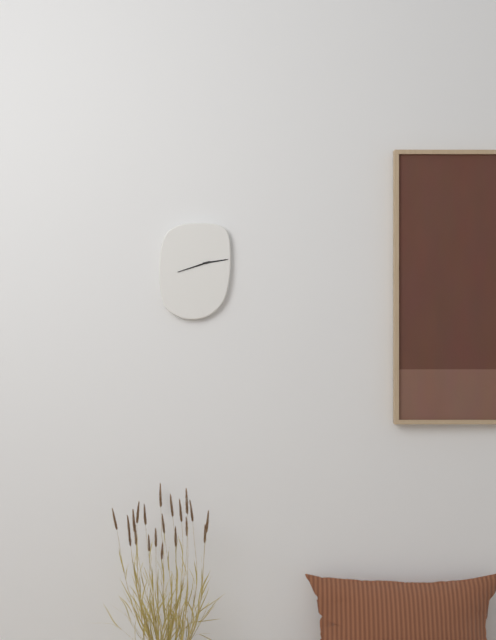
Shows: 2:42
